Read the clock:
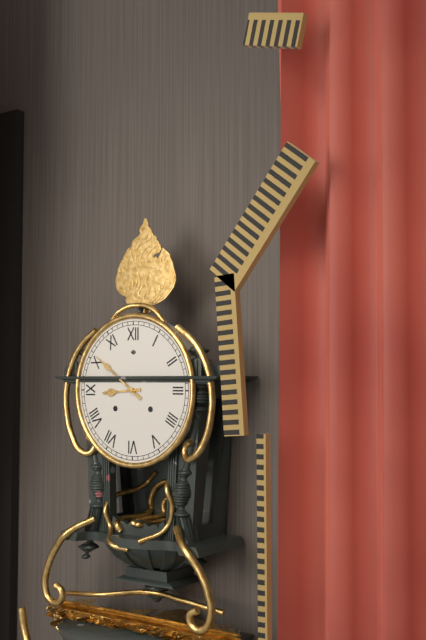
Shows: 8:51
